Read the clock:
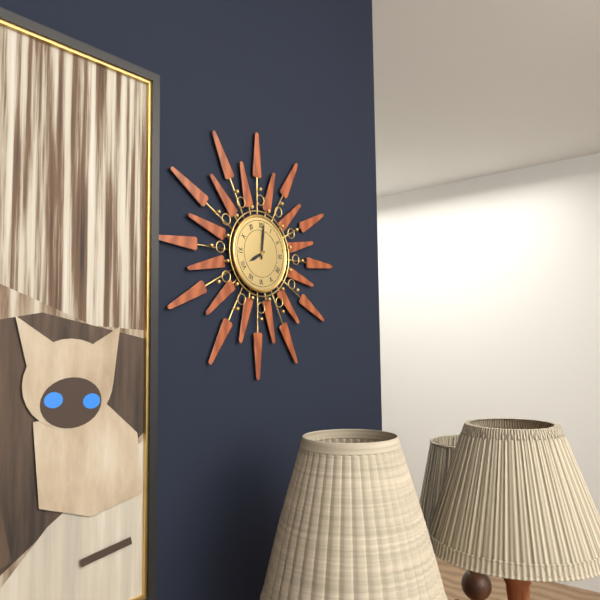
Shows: 8:01
